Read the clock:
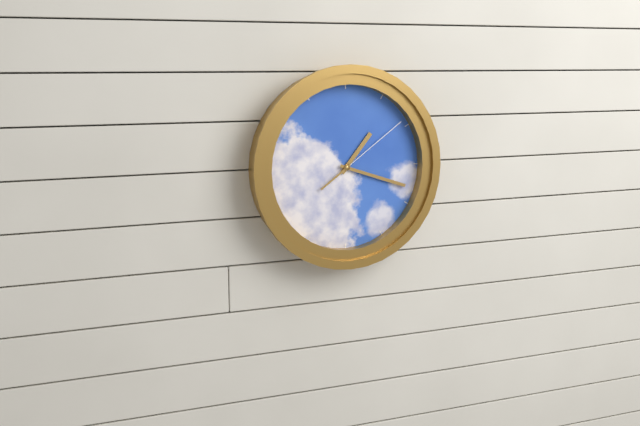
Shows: 1:18:09
